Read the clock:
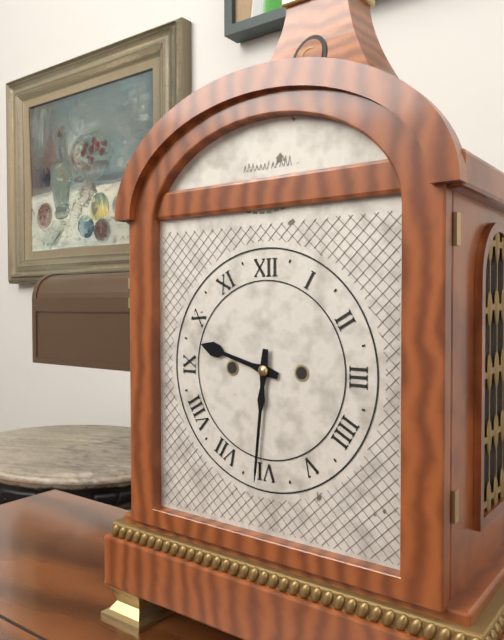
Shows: 9:31
